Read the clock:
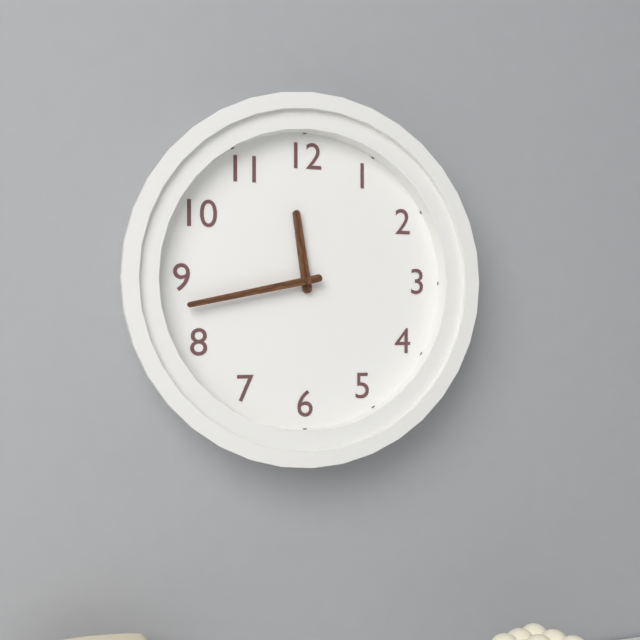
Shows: 11:43
